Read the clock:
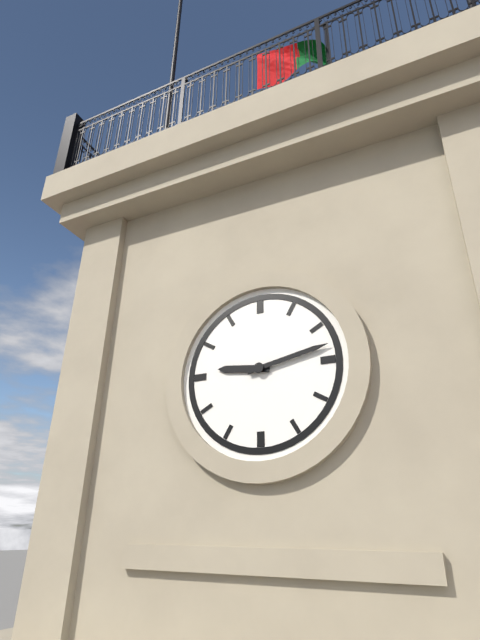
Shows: 9:13
